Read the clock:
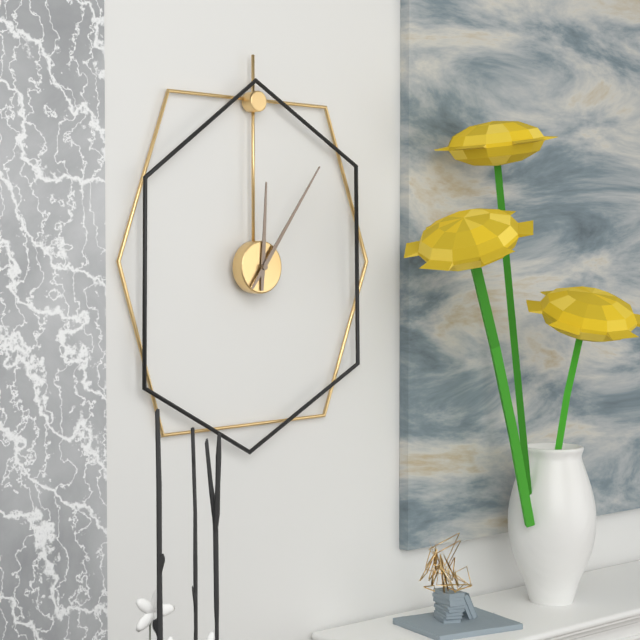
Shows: 12:06
